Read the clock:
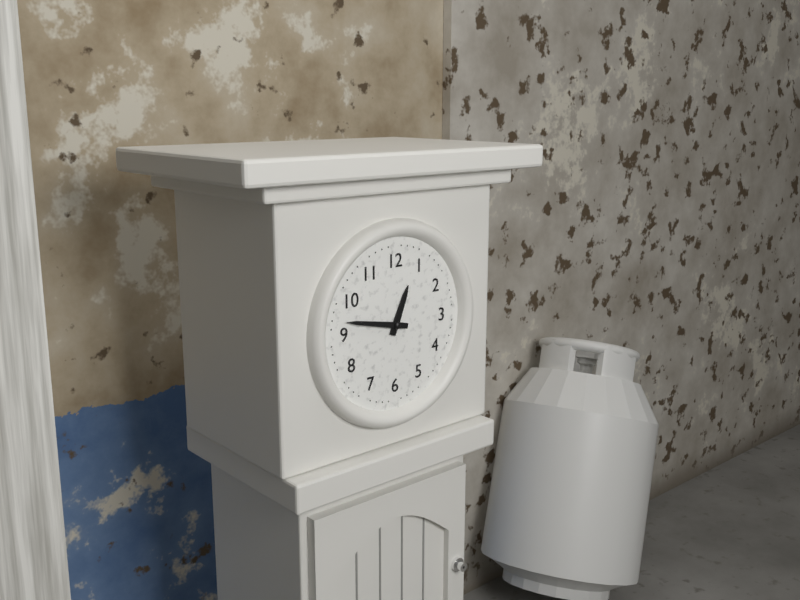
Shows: 12:47
